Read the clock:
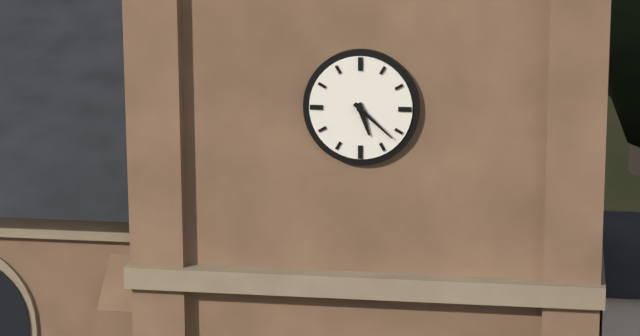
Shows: 5:22
